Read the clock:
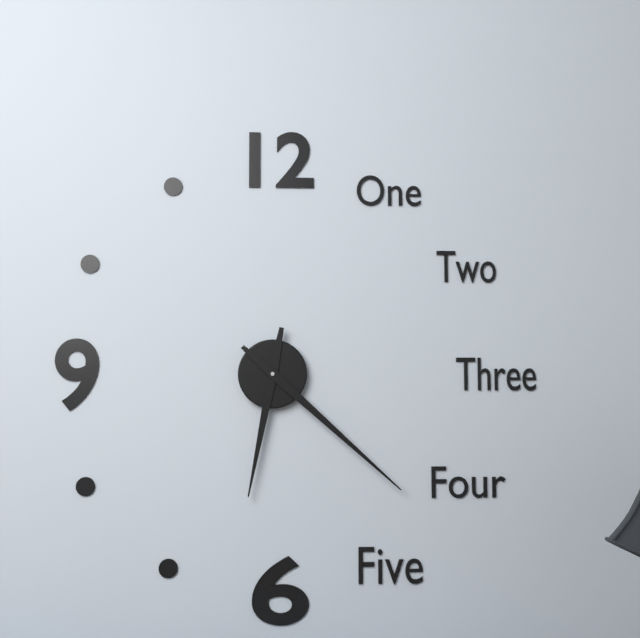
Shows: 6:22
